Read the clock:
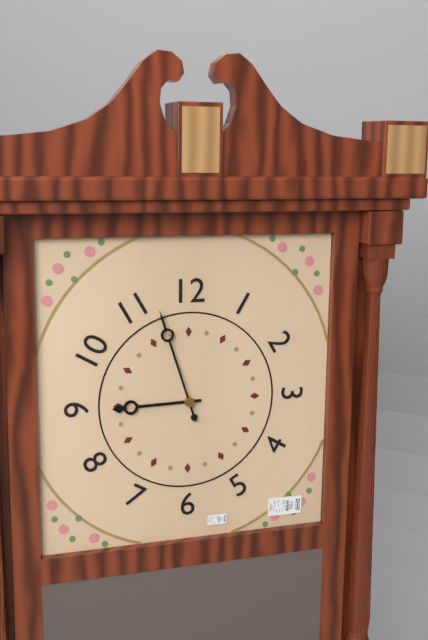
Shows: 8:57
